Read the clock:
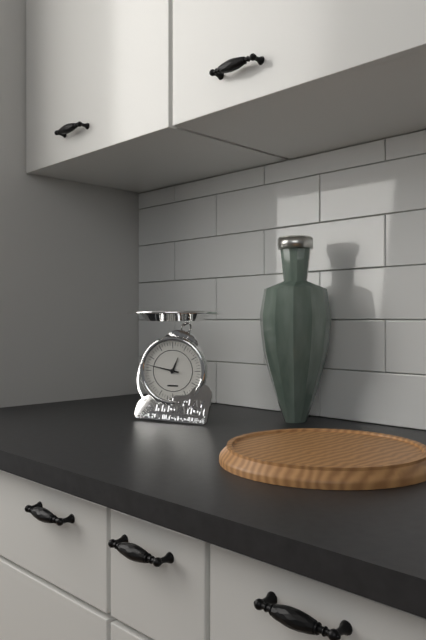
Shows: 12:47
